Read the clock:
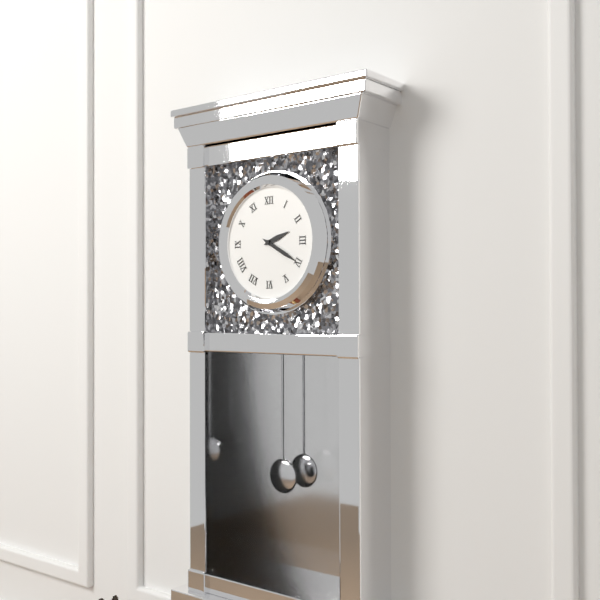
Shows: 2:20
